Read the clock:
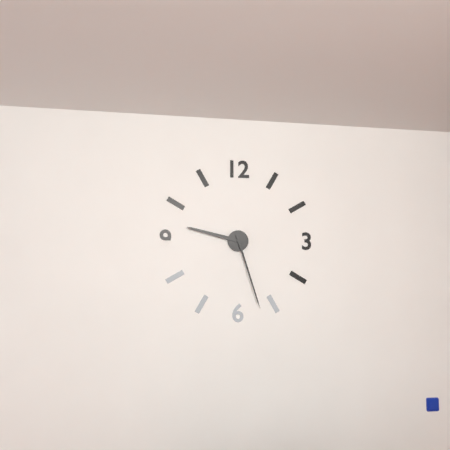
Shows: 9:27
